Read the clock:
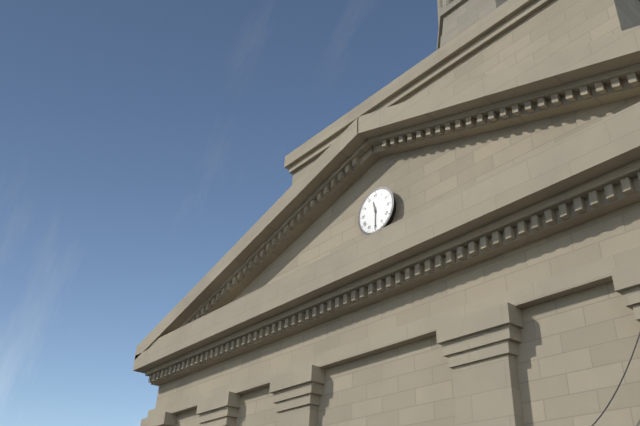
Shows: 11:30
